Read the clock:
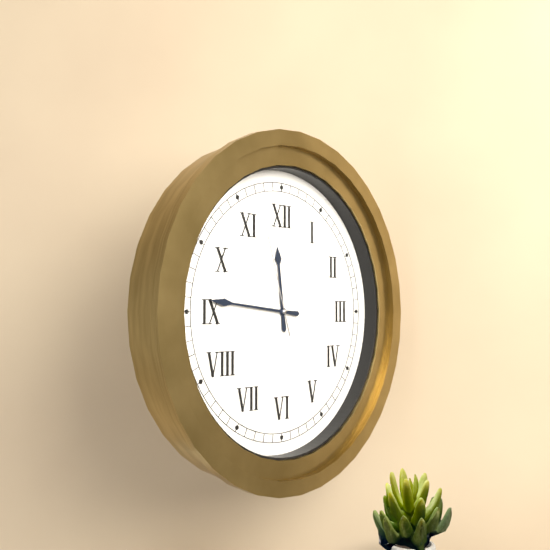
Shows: 11:46:57
